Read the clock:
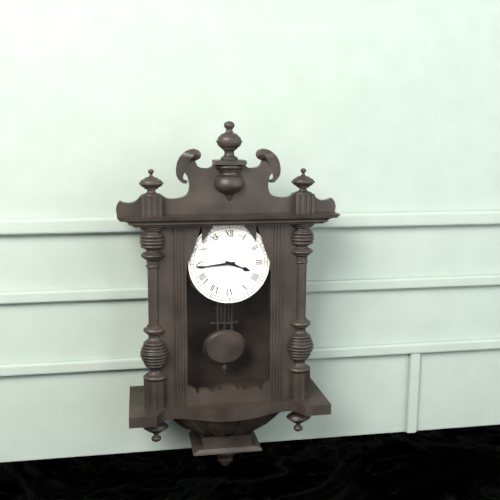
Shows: 3:44
